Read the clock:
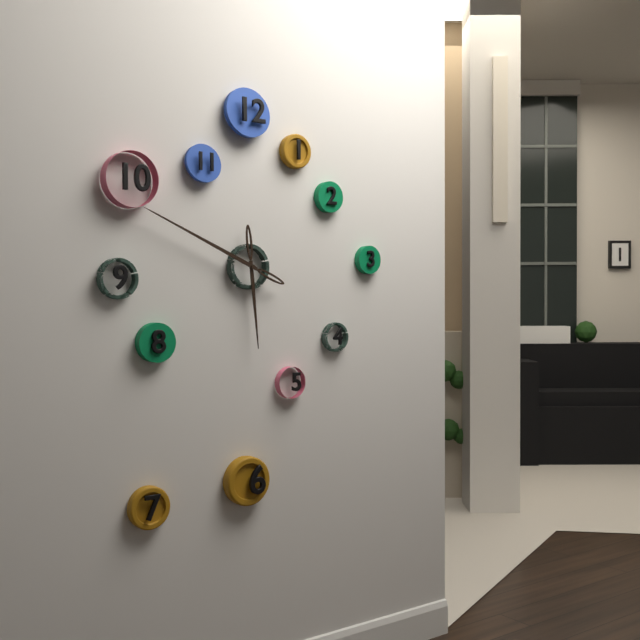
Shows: 5:49
